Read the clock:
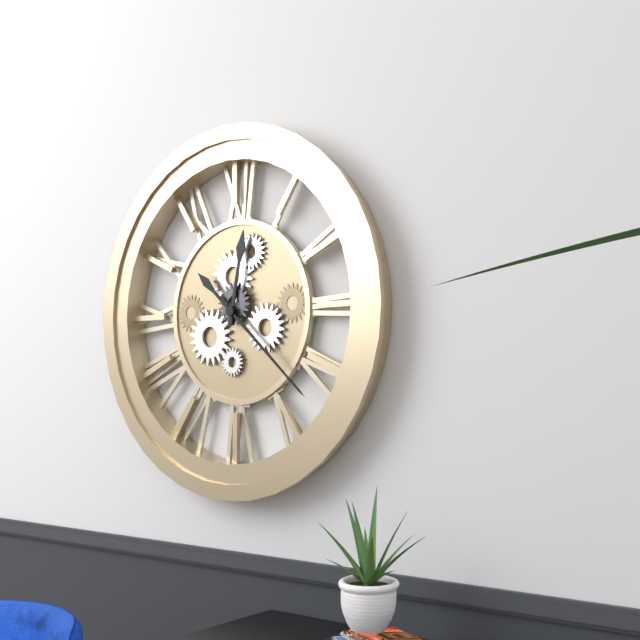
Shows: 12:22
